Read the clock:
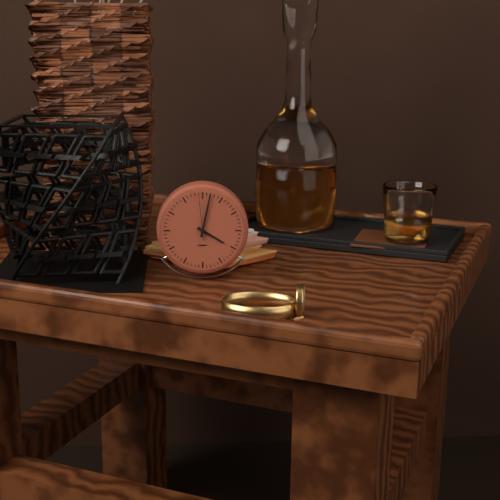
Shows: 4:02
